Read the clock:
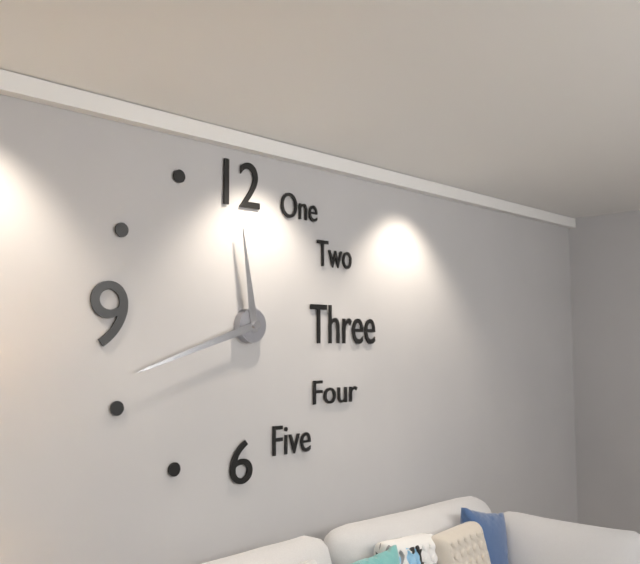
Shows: 11:42
